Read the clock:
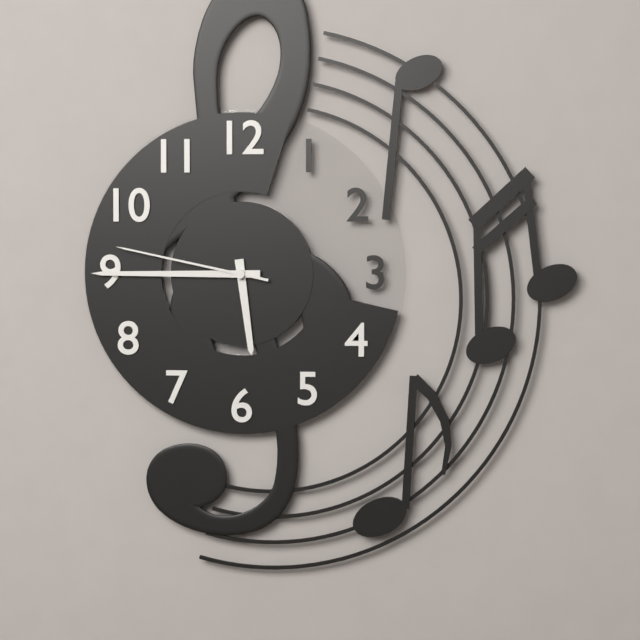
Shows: 5:45:47
